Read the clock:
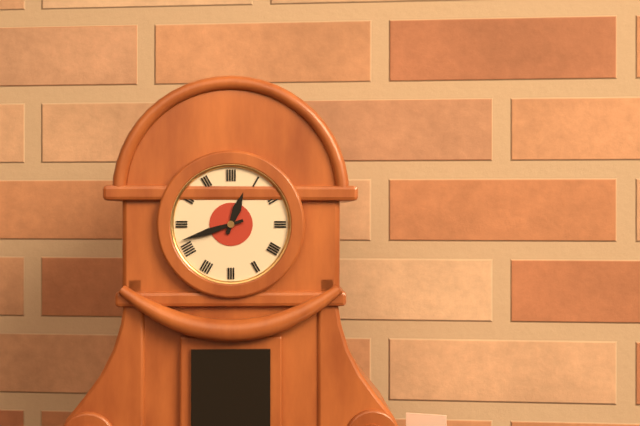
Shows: 12:42
